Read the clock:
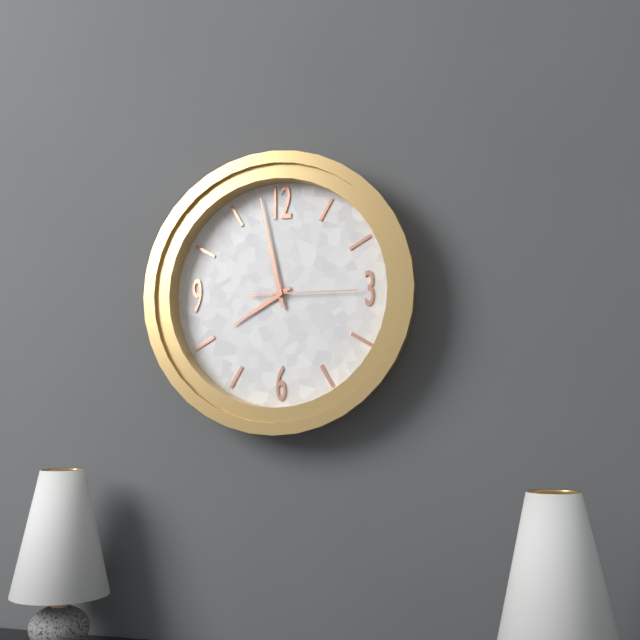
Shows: 7:58:15
